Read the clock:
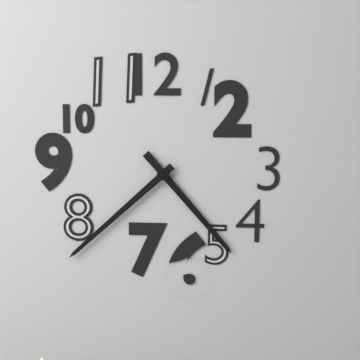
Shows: 4:38
